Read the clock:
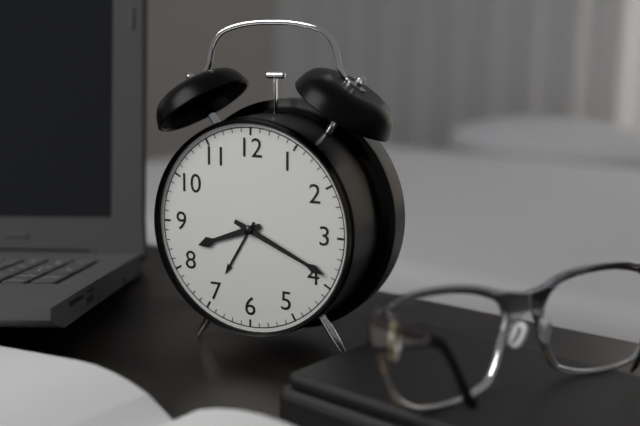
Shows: 8:19
